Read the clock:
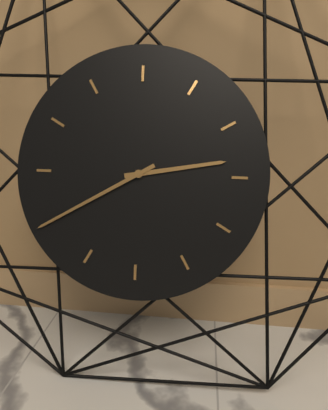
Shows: 2:40
